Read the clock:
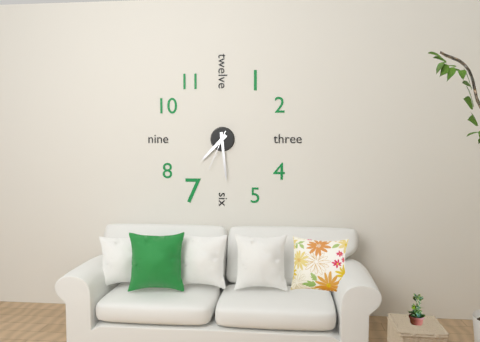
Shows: 7:29
